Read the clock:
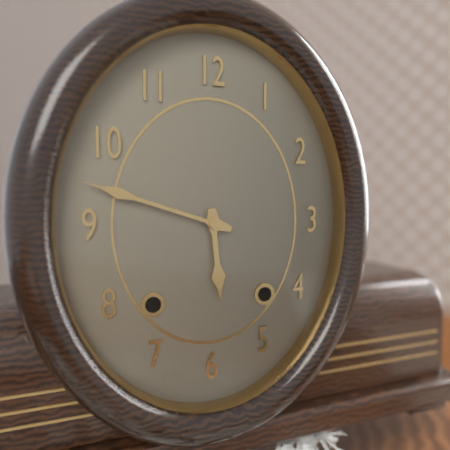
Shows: 5:48
